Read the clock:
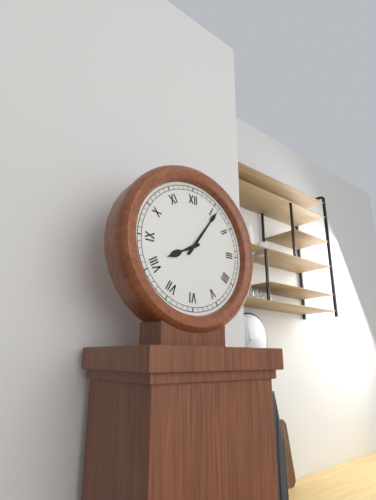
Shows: 8:06
